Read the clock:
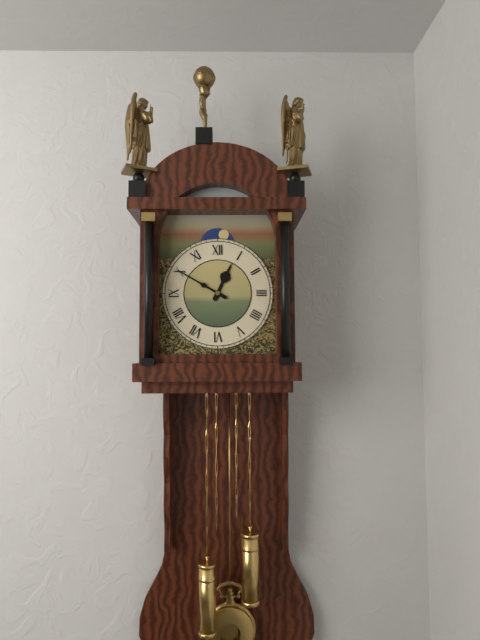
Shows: 12:50
